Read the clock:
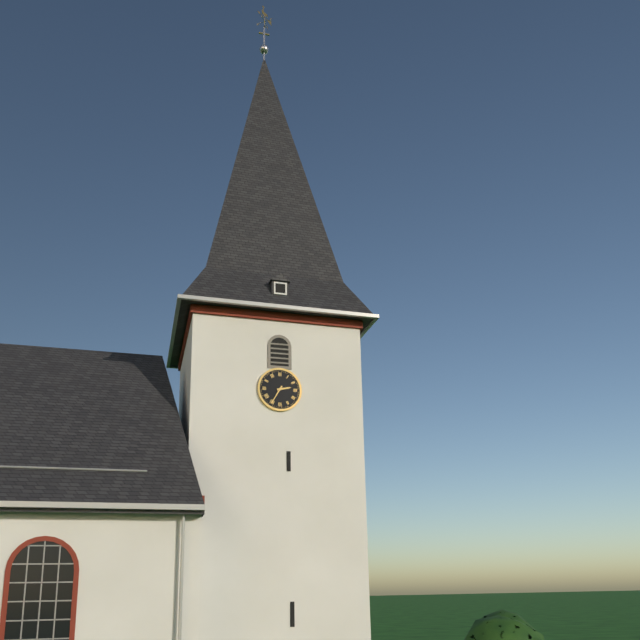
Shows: 2:35
